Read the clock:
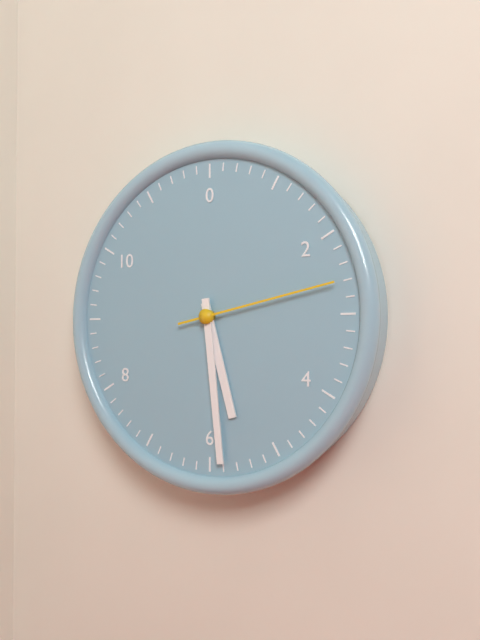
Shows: 5:29:13
